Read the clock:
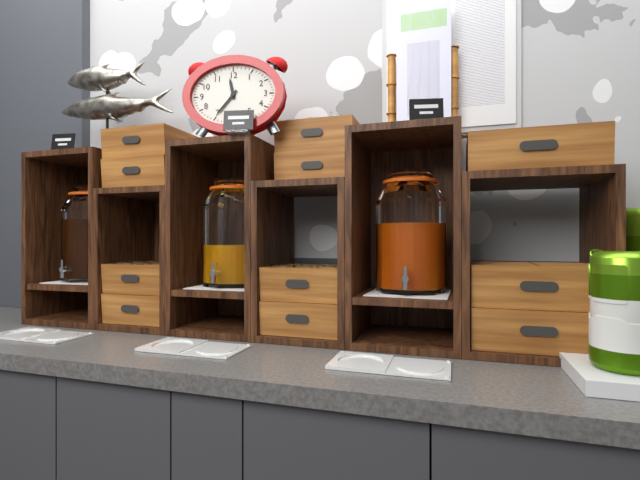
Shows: 11:37
